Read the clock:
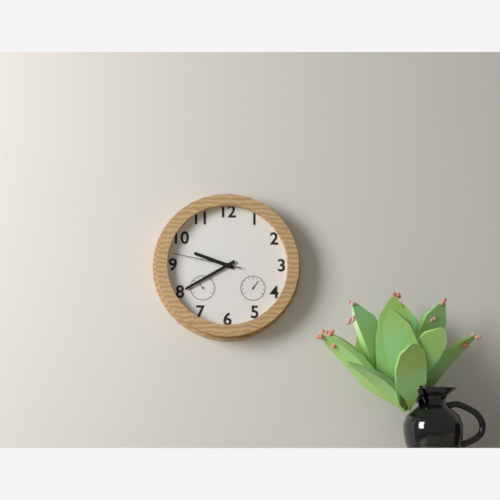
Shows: 9:40:47
